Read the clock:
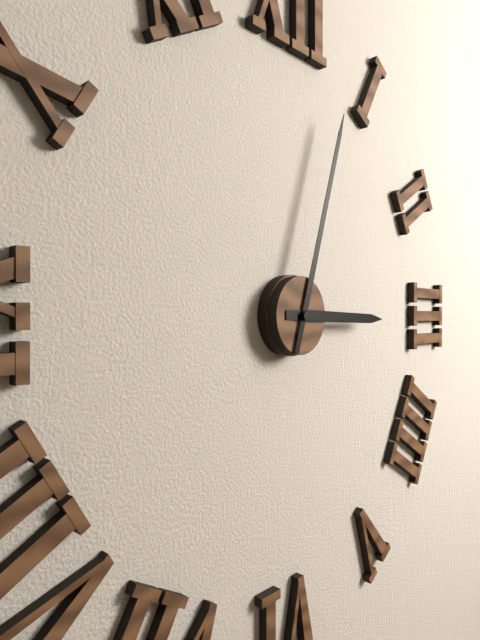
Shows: 3:03
